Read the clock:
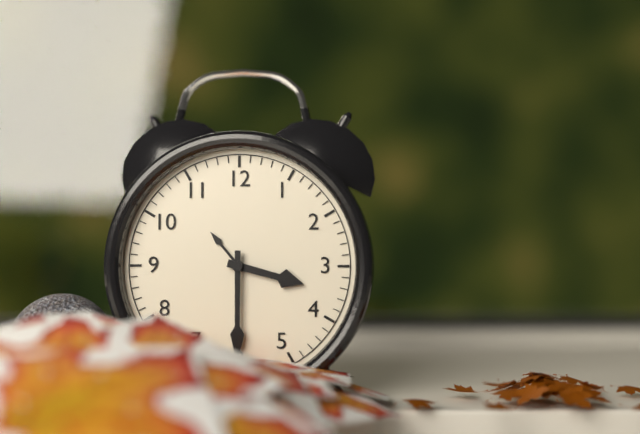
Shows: 3:30
